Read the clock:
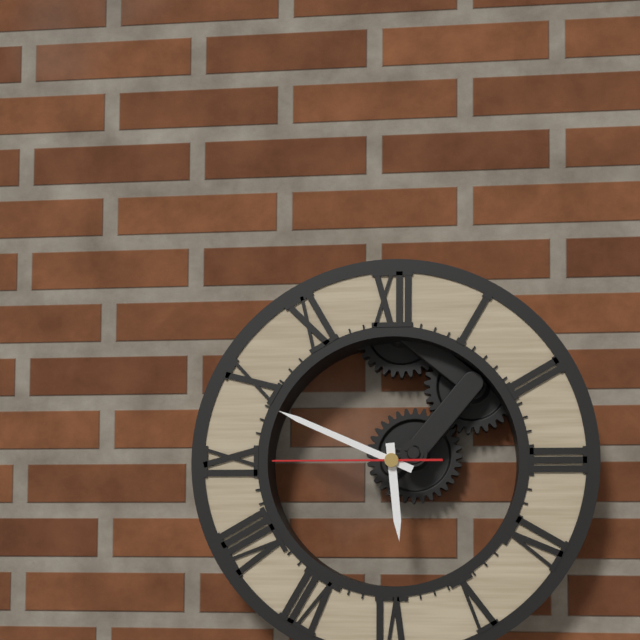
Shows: 5:49:45
